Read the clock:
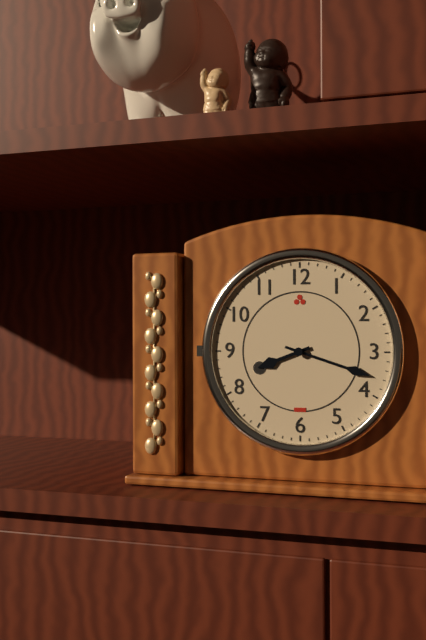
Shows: 8:18
